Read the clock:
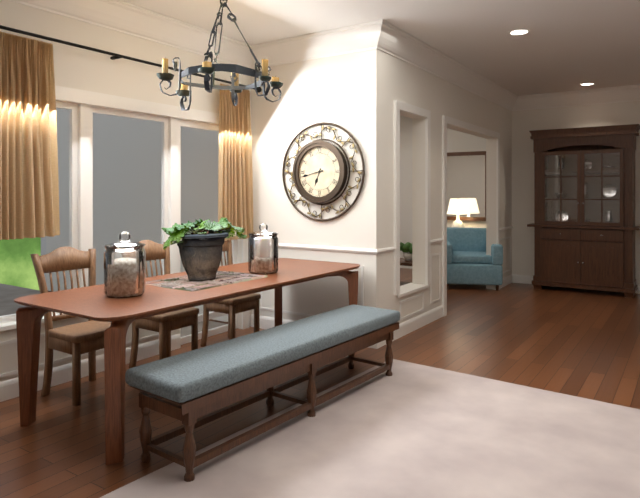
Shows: 6:43
